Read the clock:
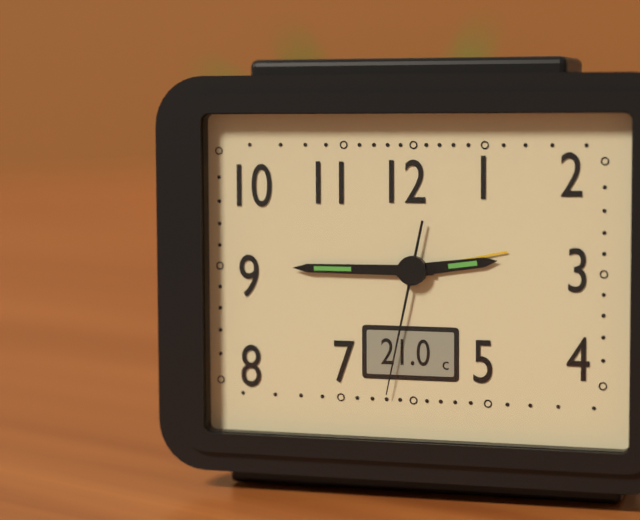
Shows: 2:45:32
